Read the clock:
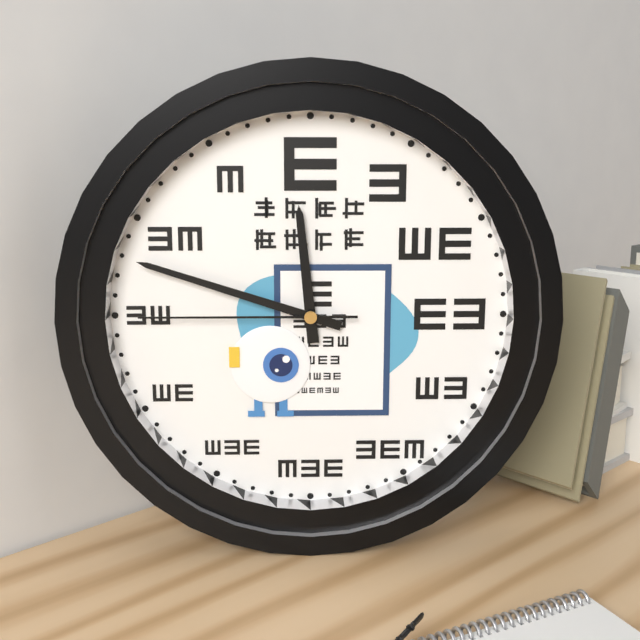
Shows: 11:48:45
